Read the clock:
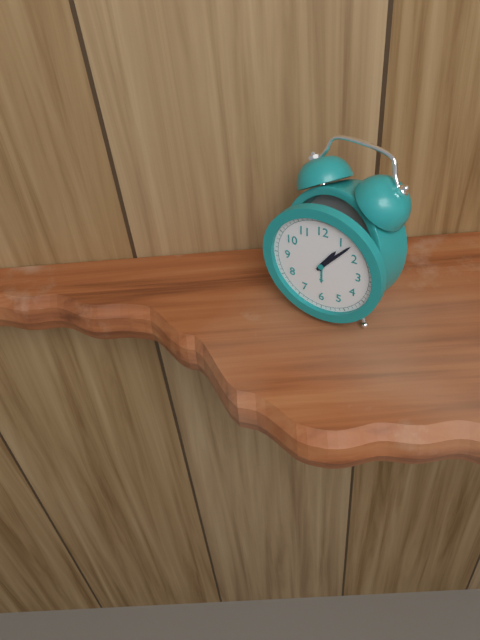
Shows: 1:07
